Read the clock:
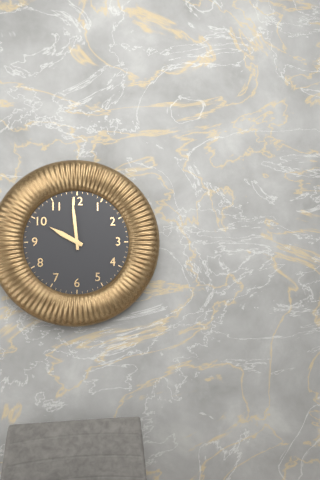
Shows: 9:59
